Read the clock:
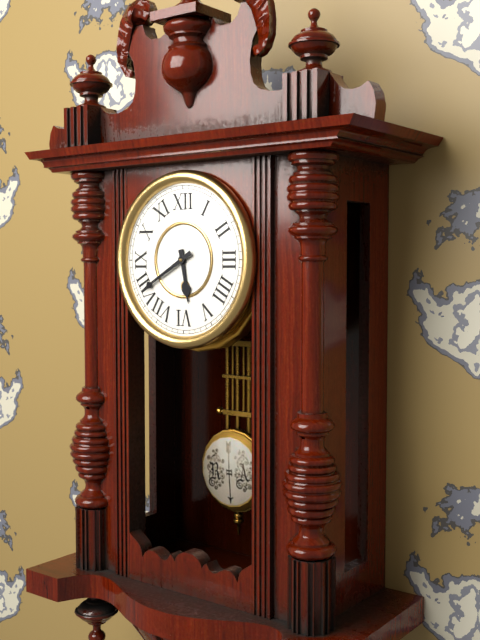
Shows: 5:40
